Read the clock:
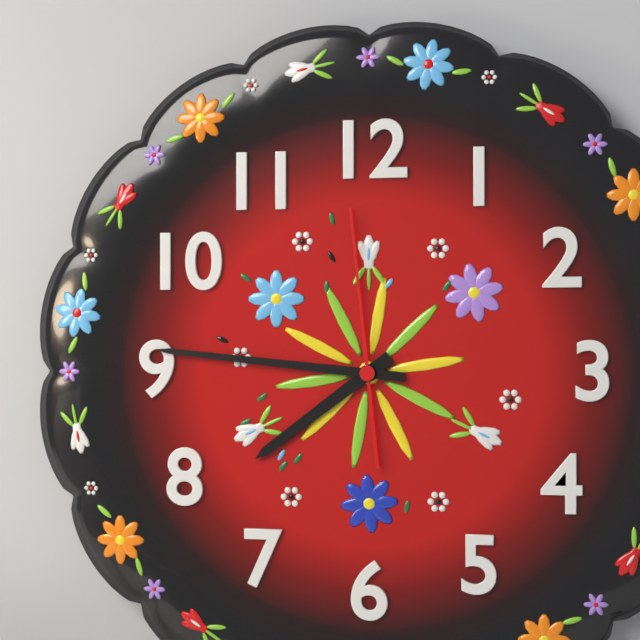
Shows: 7:46:59
